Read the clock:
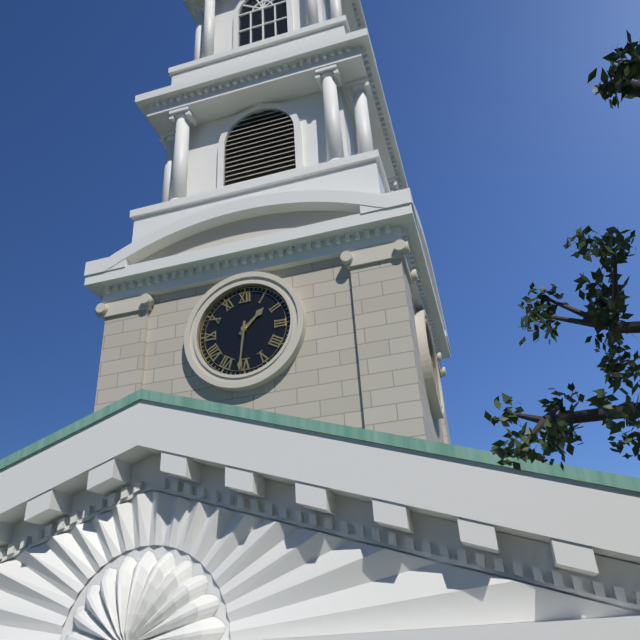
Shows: 1:31
